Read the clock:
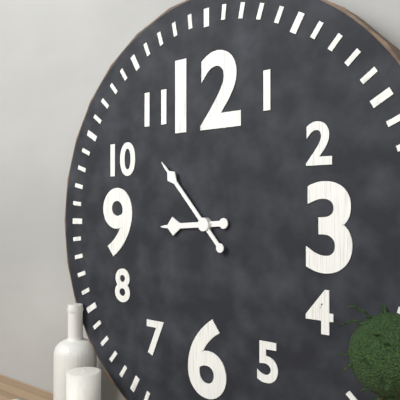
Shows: 8:53
